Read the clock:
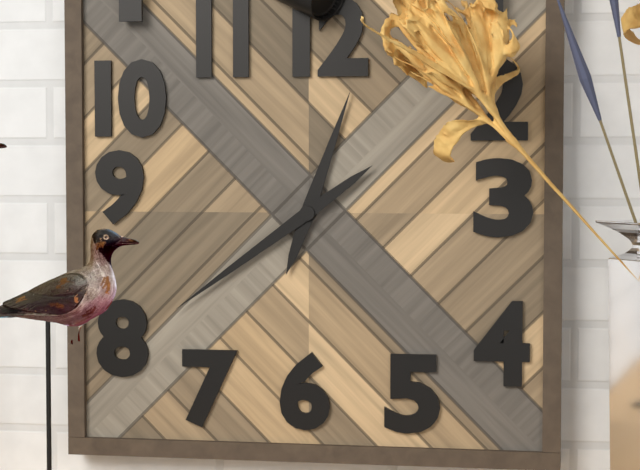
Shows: 12:39
